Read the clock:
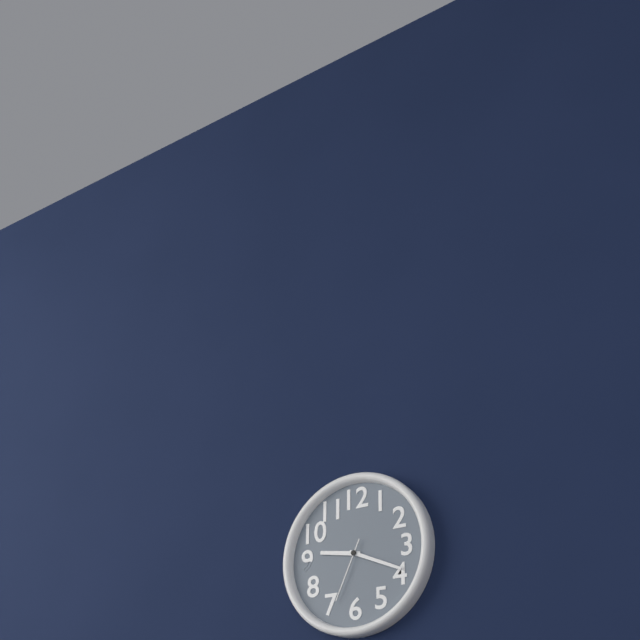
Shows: 9:19:34
